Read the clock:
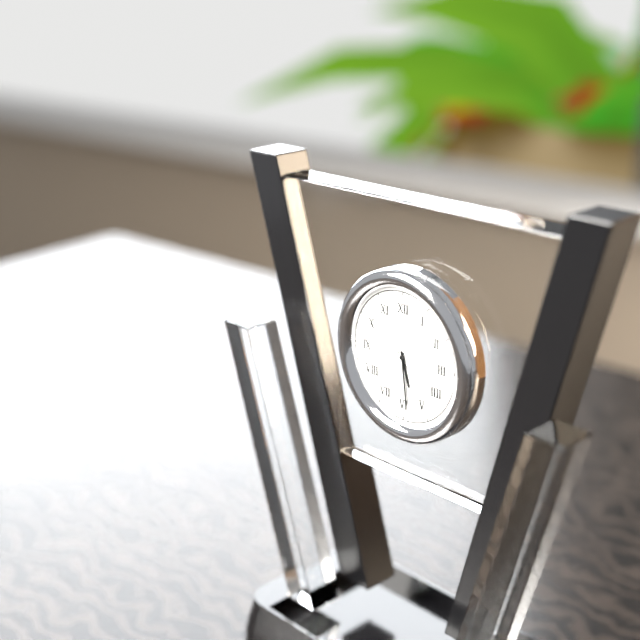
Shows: 5:29:53
